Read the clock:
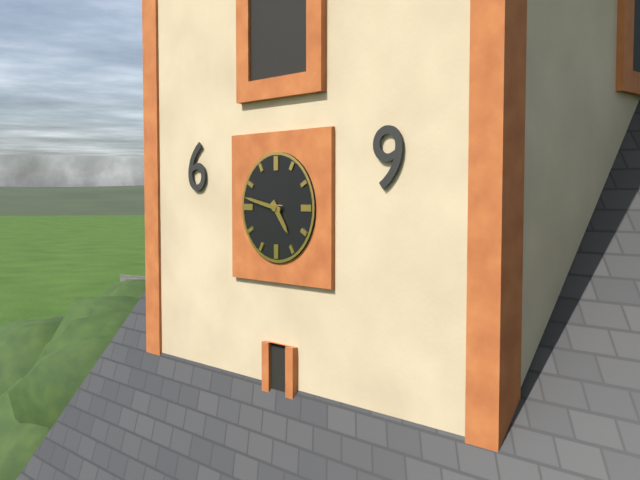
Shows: 4:47
